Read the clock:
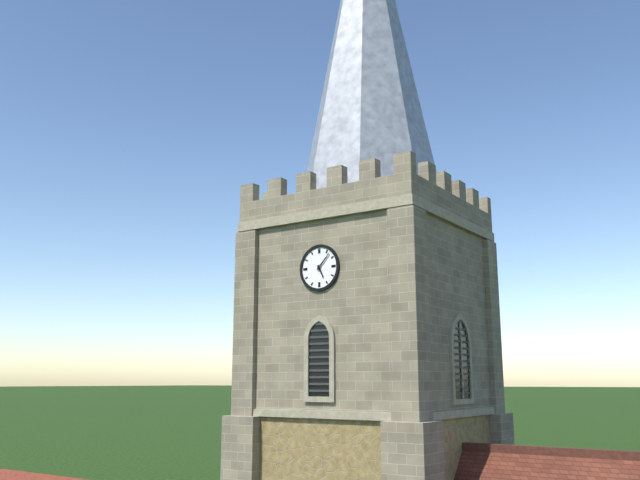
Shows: 5:07
